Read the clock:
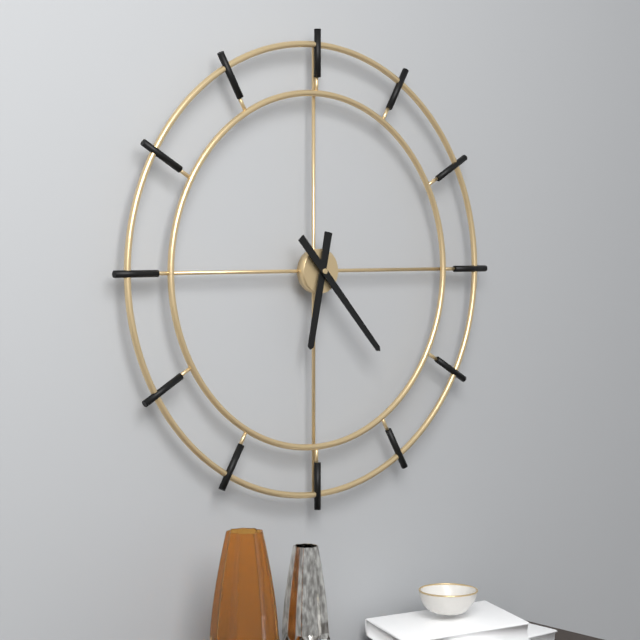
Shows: 6:23
